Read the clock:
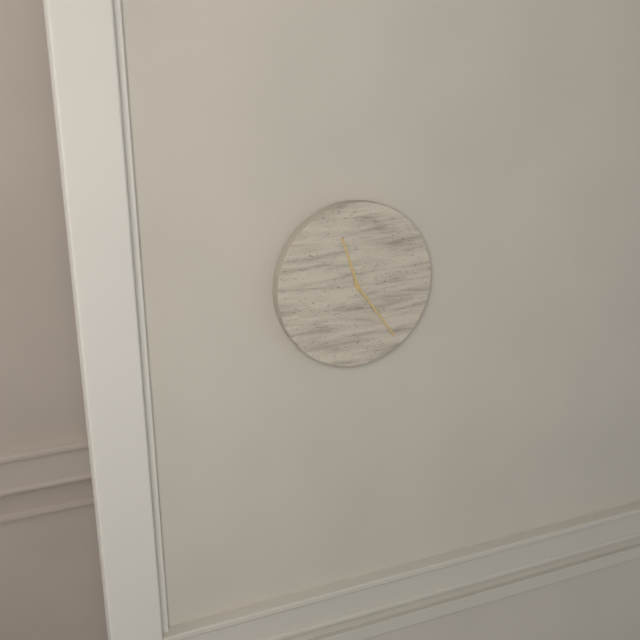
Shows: 11:24
